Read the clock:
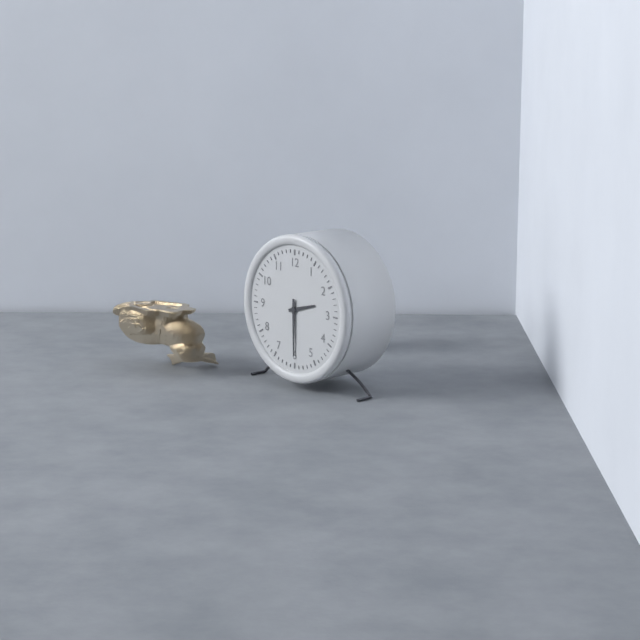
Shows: 2:30
